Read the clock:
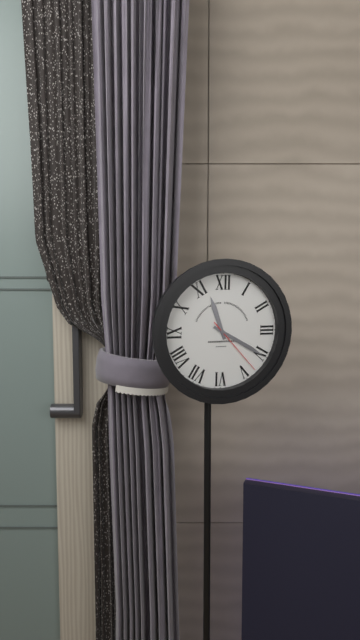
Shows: 11:20:23
